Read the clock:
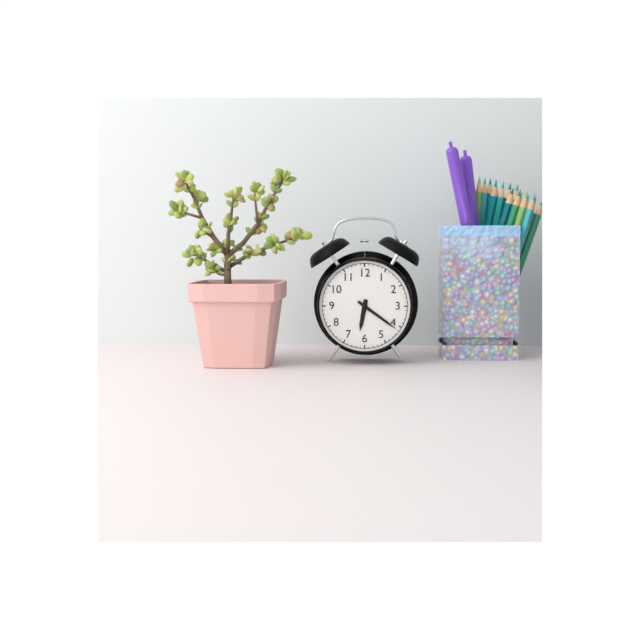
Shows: 6:21
